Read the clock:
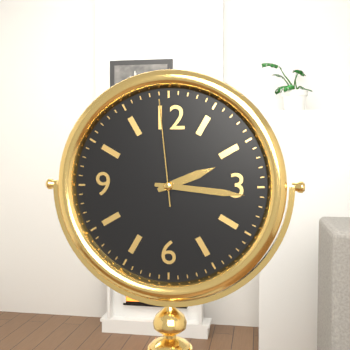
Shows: 2:16:59
